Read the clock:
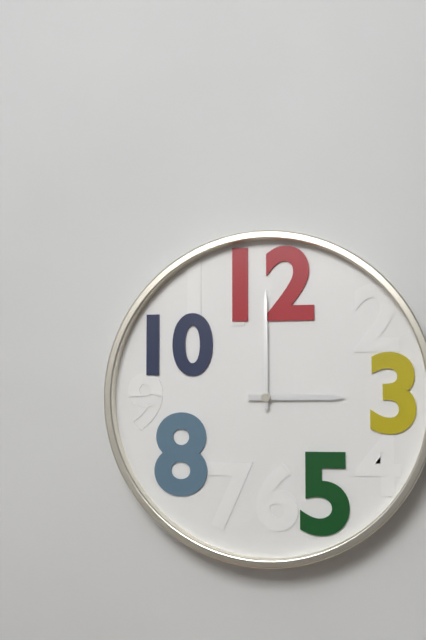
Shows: 3:00
